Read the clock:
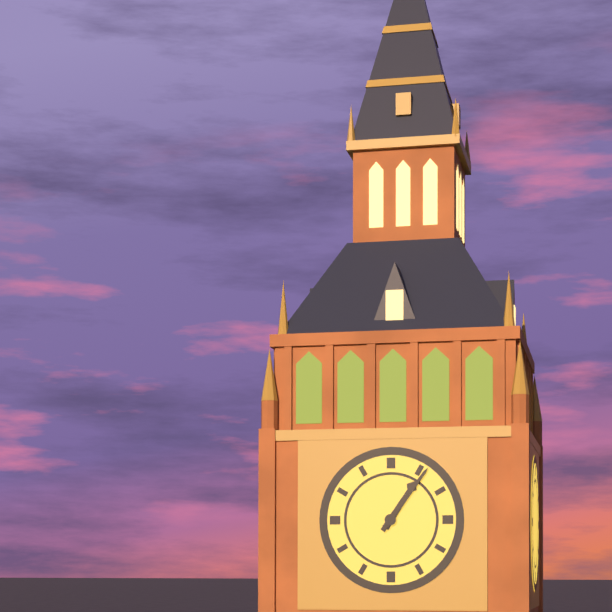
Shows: 1:06
